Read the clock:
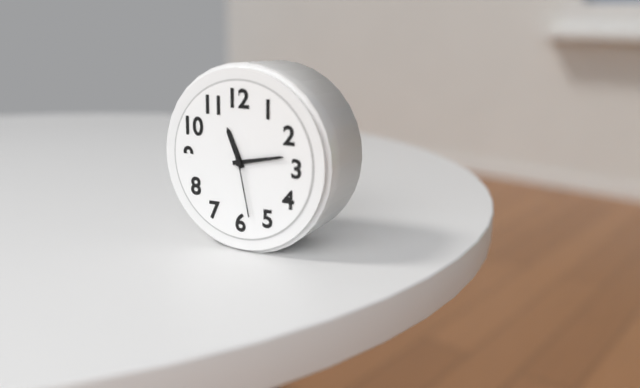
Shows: 11:13:28
